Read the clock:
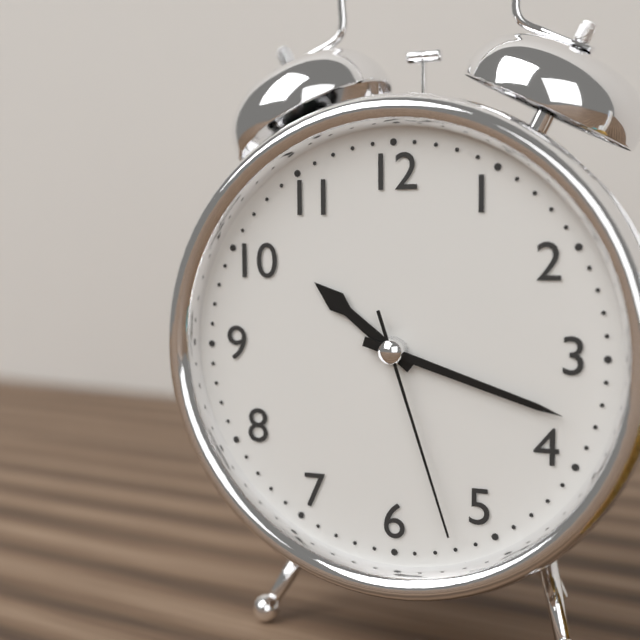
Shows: 10:18:27
